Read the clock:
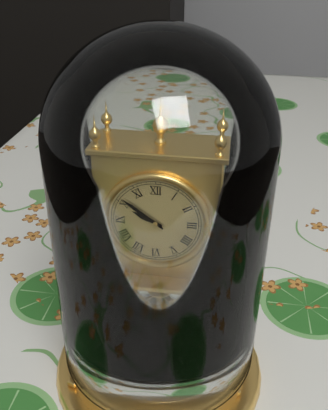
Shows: 9:51
